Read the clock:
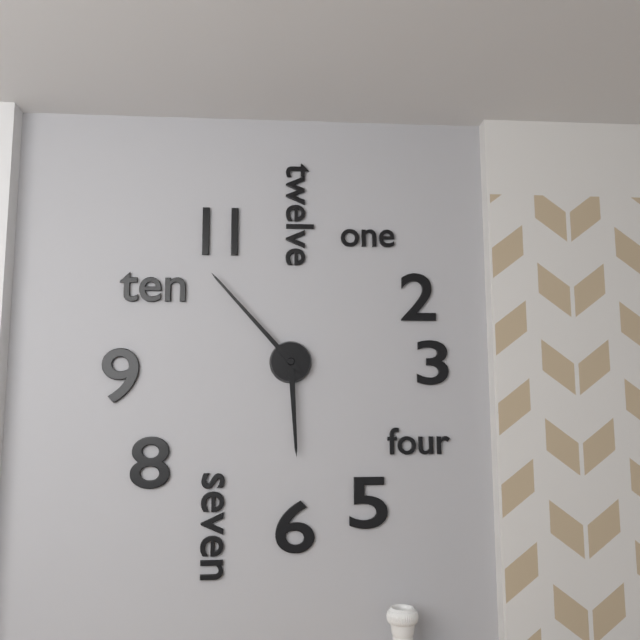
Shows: 5:53
